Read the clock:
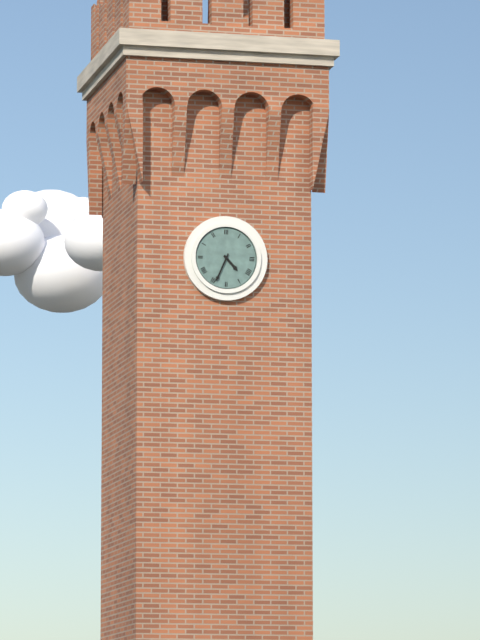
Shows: 4:34
